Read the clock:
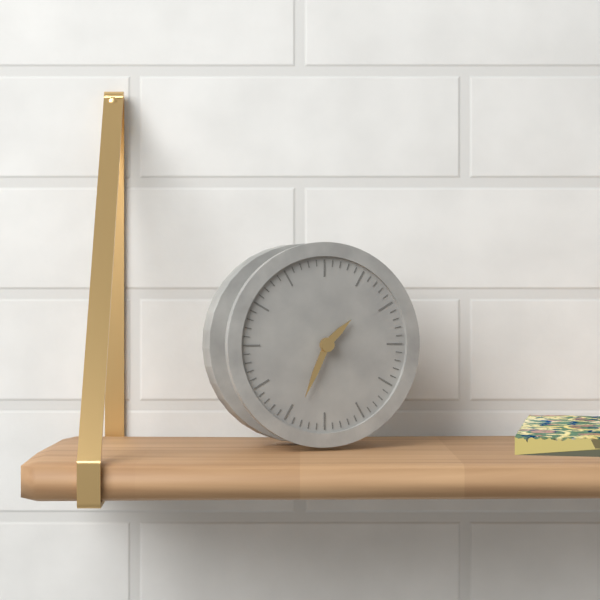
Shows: 1:34
